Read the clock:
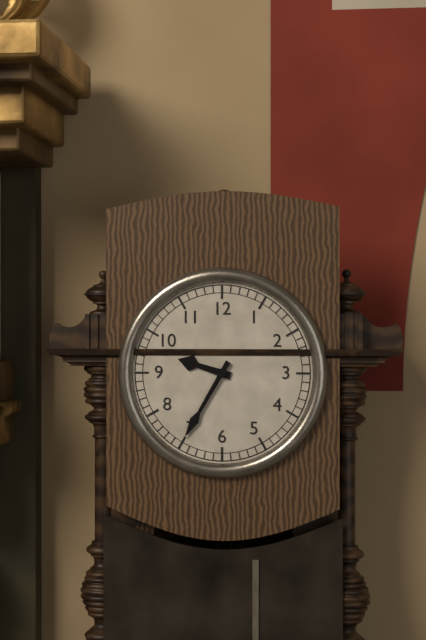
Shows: 9:35
